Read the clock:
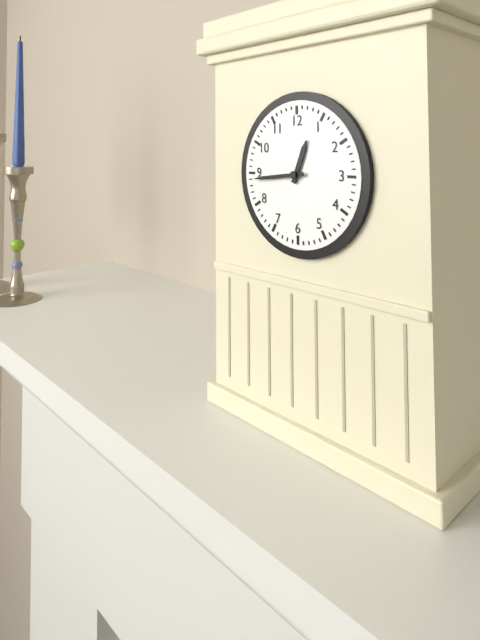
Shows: 12:44
